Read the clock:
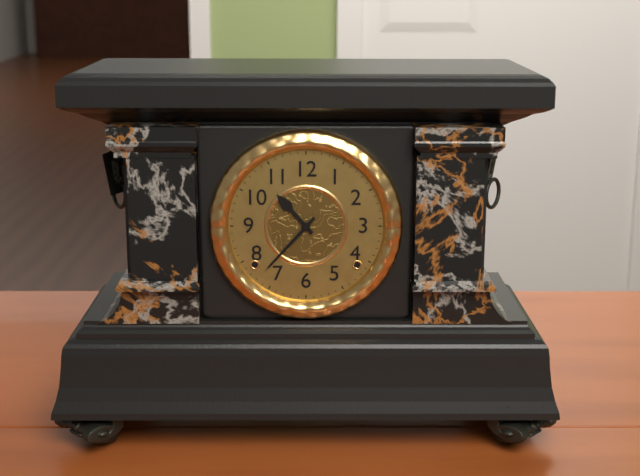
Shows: 10:37
